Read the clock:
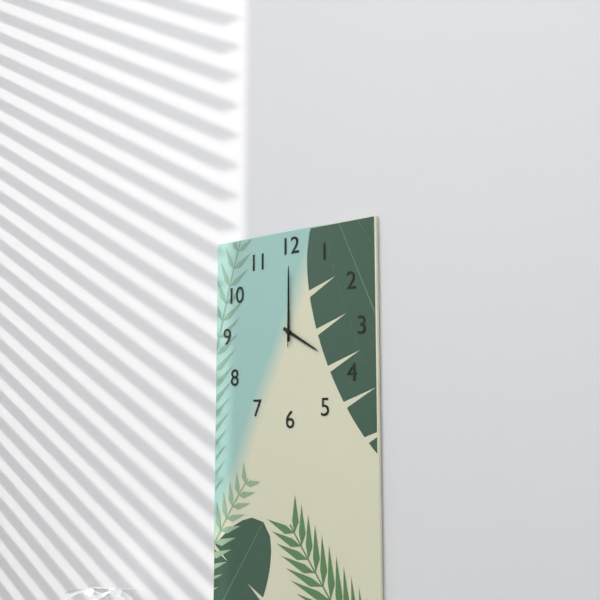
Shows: 4:00:00
